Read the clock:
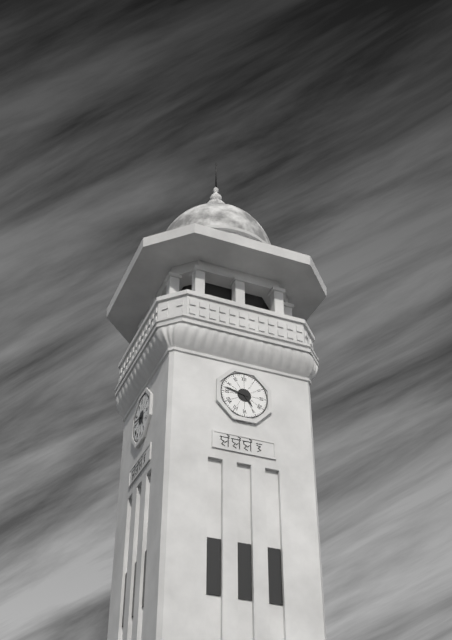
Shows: 4:47
